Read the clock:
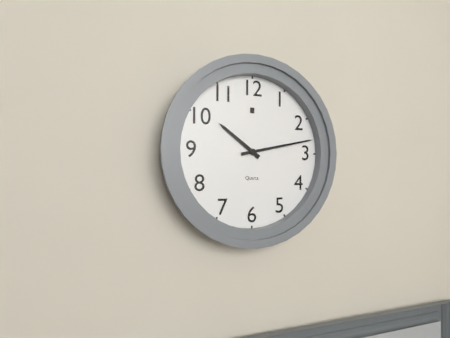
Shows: 10:13
